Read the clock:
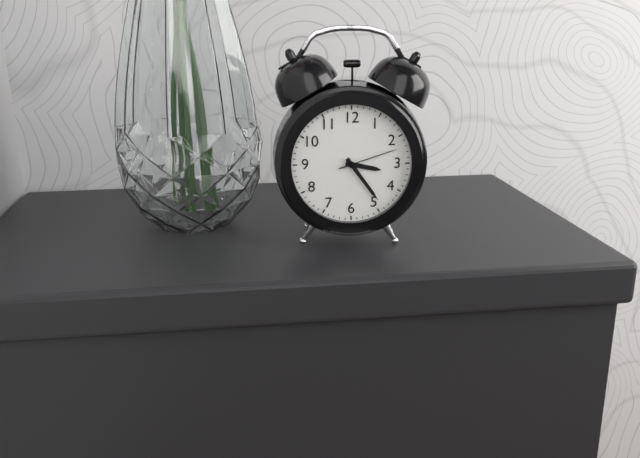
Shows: 3:24:12
